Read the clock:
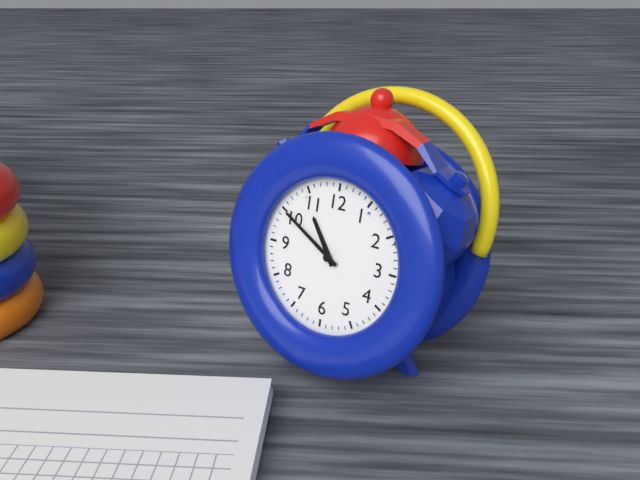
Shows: 10:50
